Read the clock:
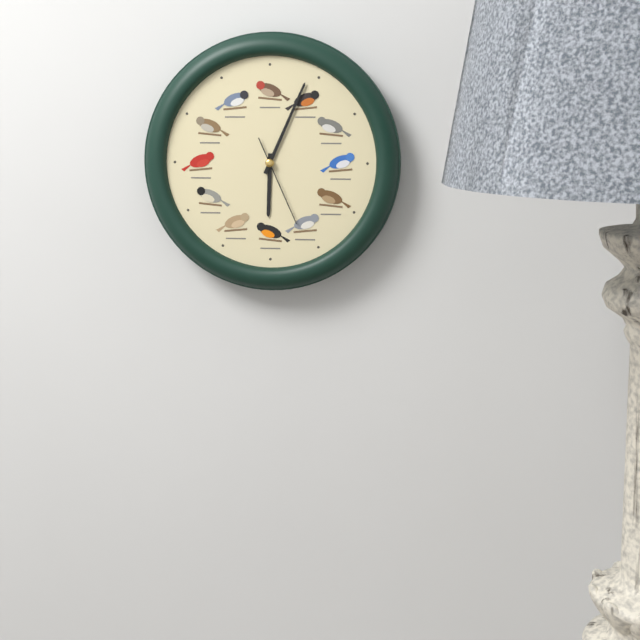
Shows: 6:04:26
